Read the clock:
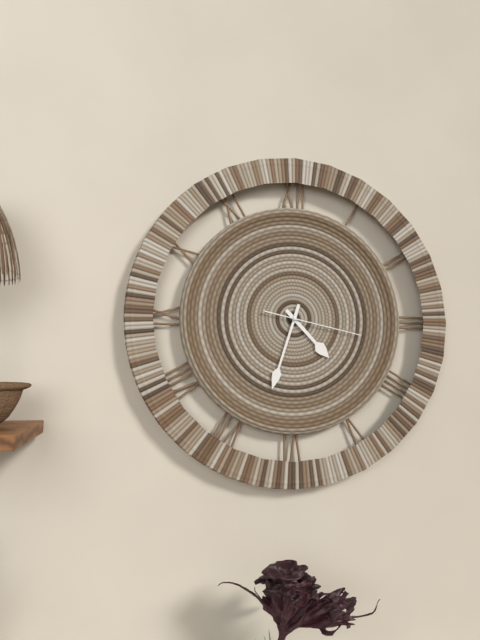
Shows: 4:33:17
